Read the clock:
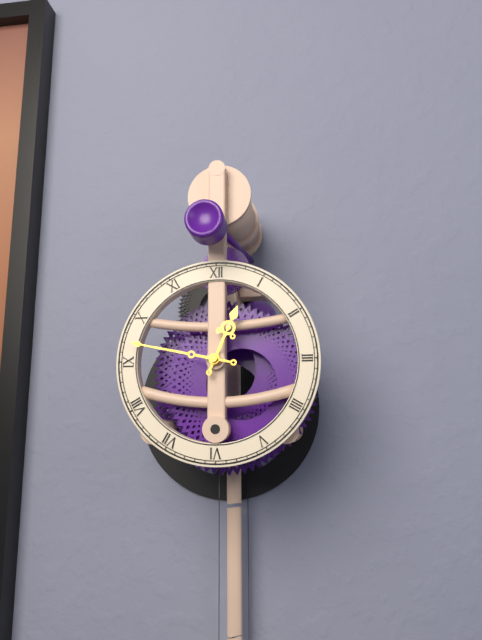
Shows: 12:47
